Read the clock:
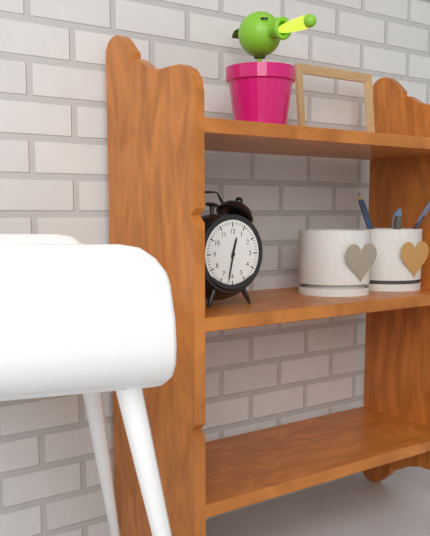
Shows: 12:32
